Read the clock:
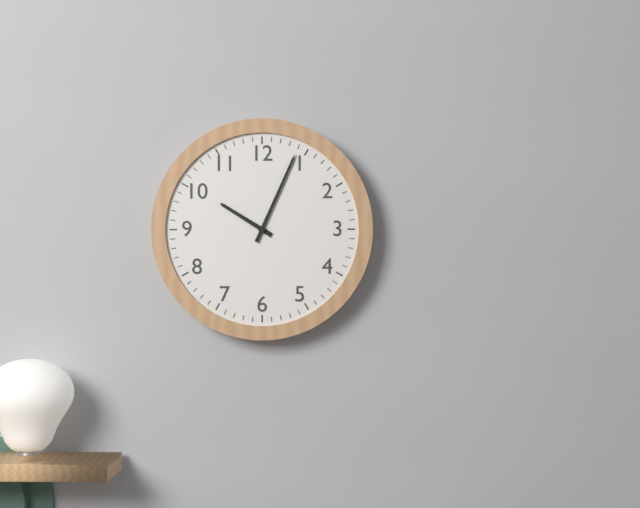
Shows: 10:04
